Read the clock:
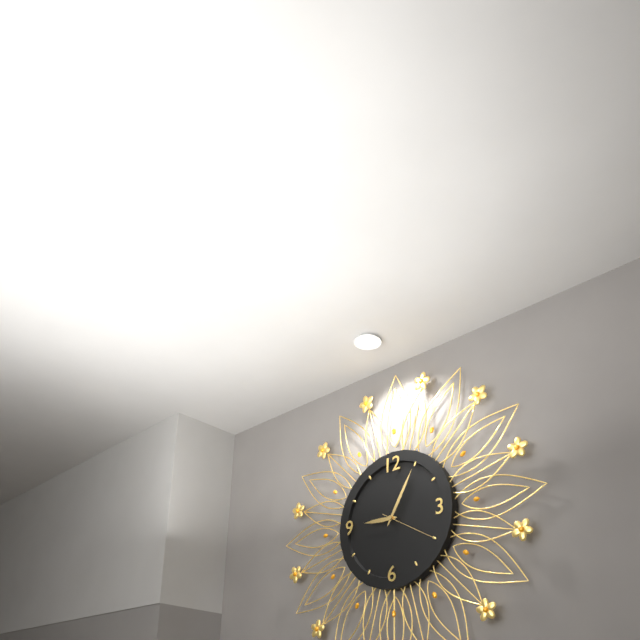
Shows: 9:05:20
